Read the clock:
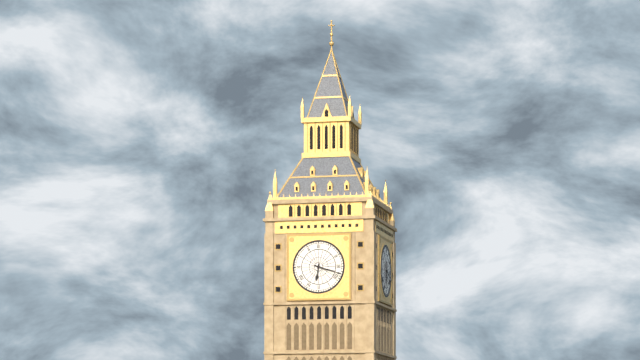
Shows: 6:18
